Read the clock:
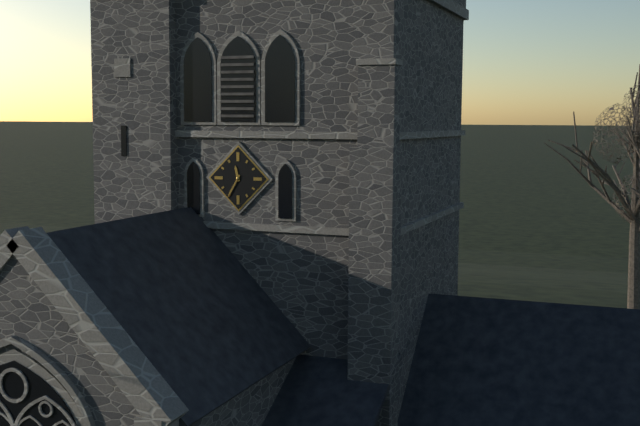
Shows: 11:35
